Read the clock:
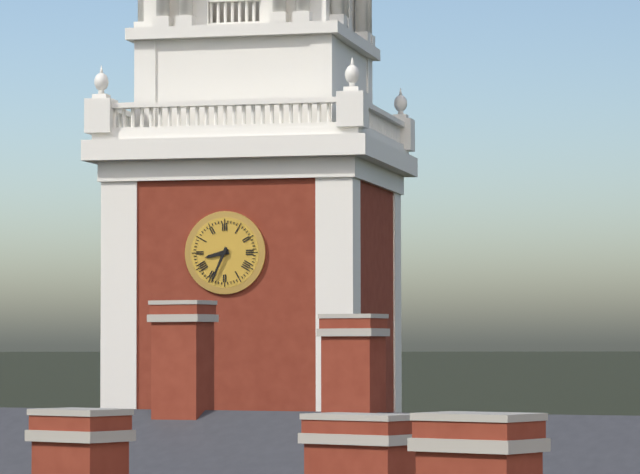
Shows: 8:34
